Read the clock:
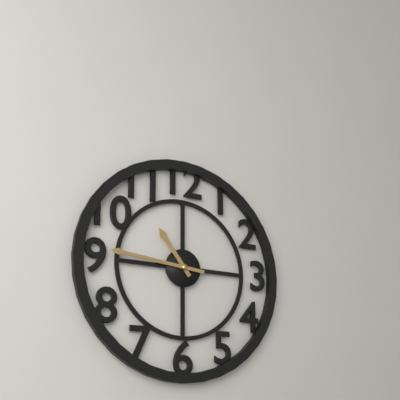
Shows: 10:46
